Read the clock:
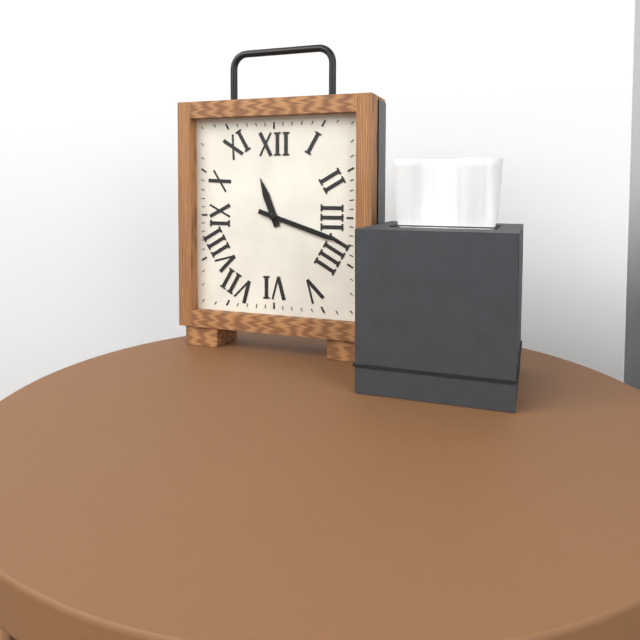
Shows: 11:18
